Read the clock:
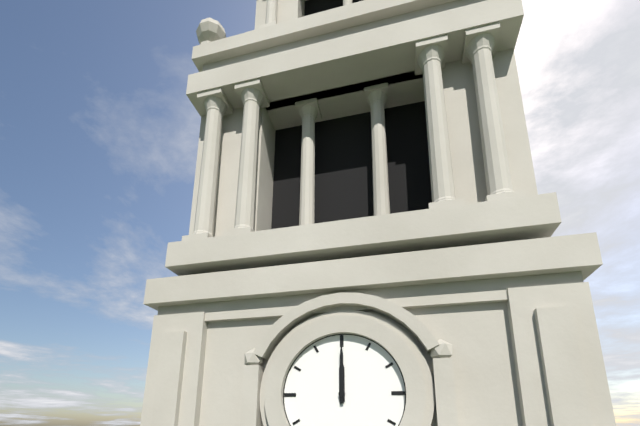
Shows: 12:00
